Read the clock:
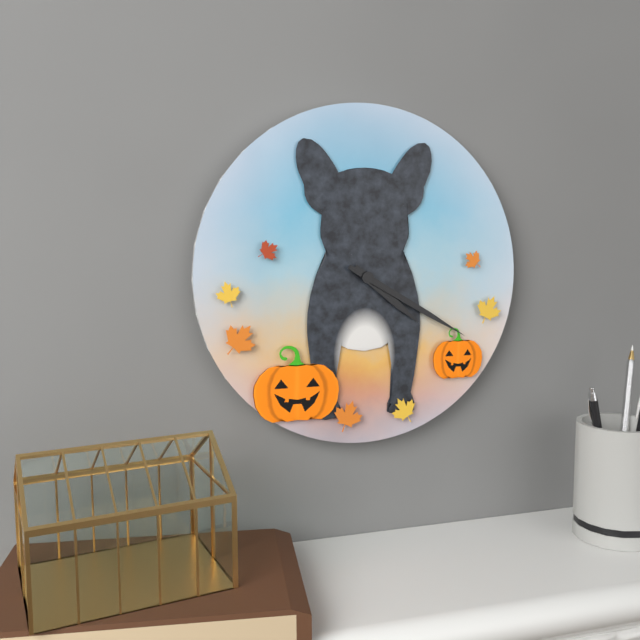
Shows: 4:20
